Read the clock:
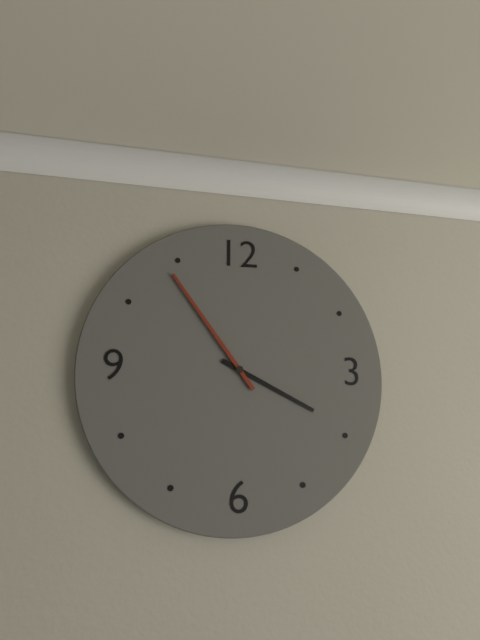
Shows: 3:54
